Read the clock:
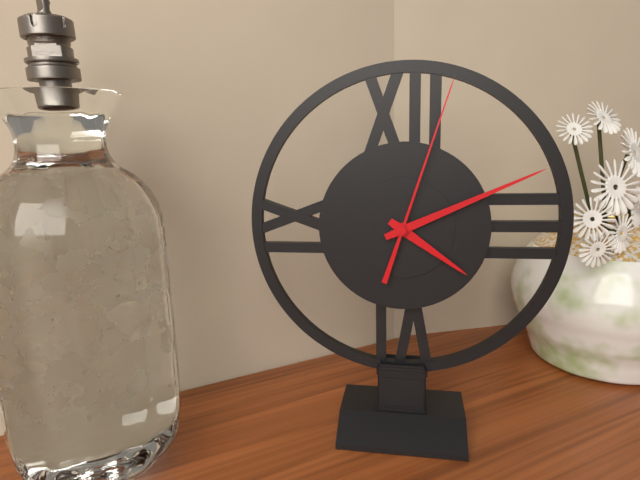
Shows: 4:11:03
